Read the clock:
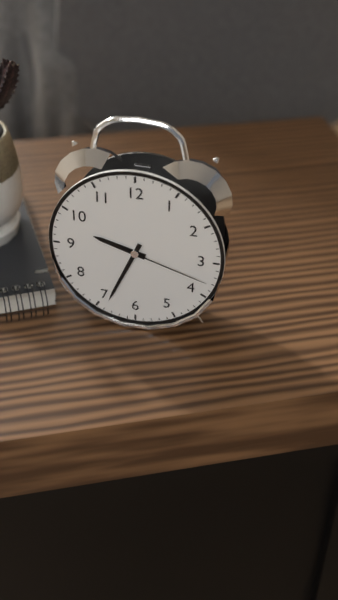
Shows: 9:34:18
